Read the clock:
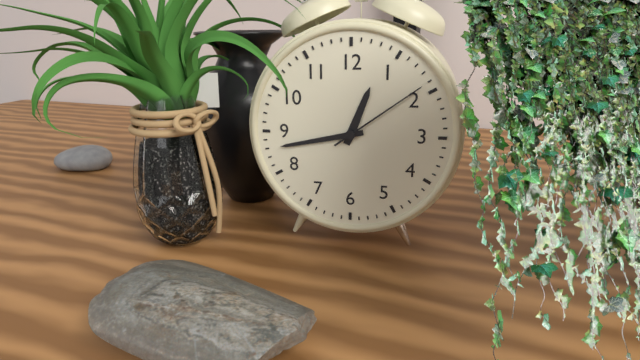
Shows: 12:43:09
